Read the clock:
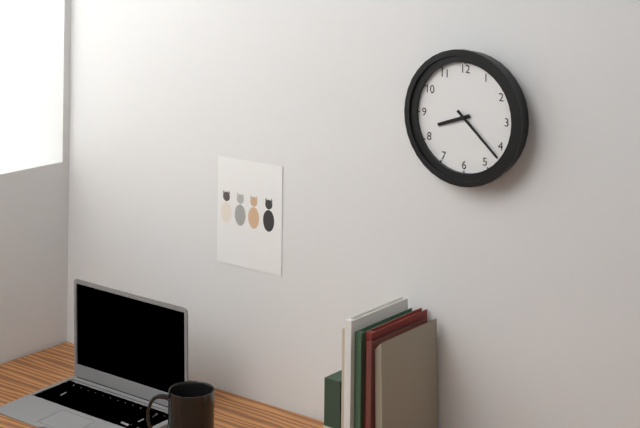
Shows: 8:22
